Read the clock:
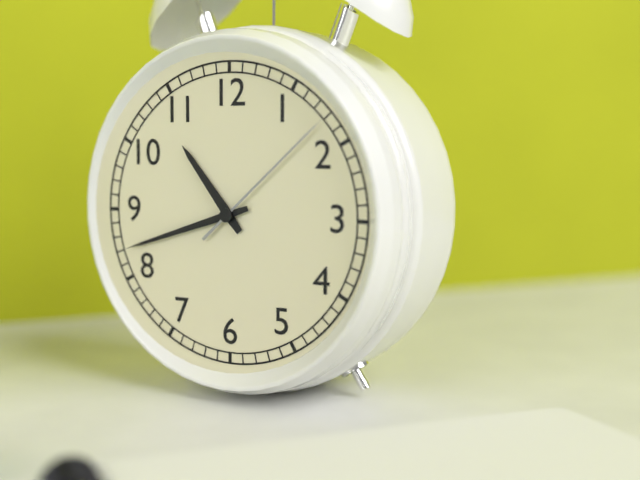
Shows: 10:42:08
